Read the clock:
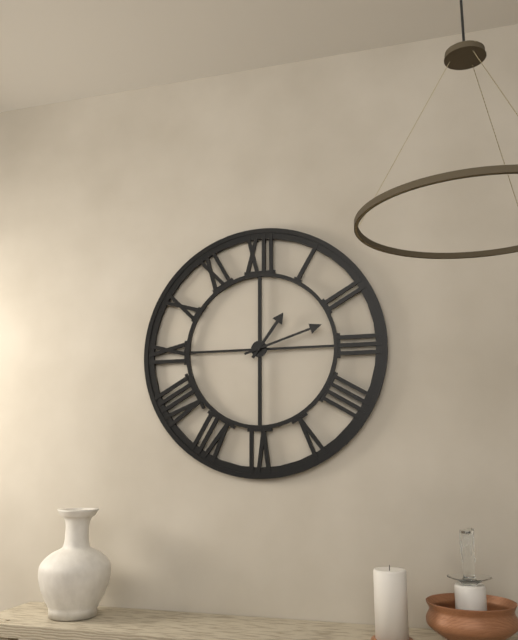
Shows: 1:12
